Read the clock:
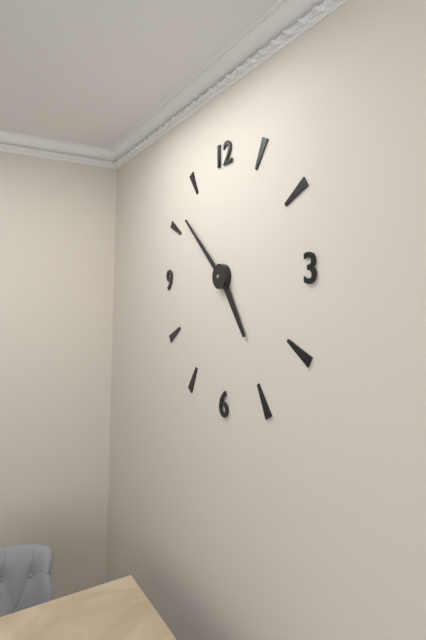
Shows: 4:52
